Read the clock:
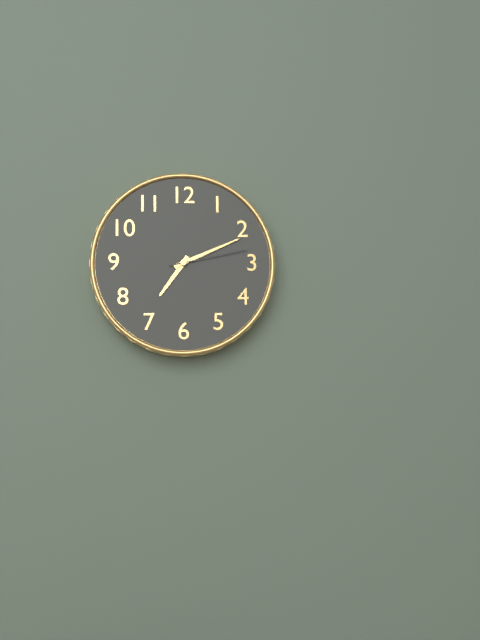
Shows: 7:11:13
